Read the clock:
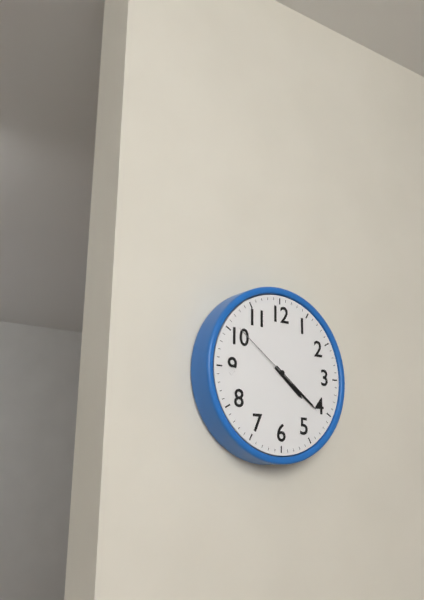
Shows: 4:21:51
